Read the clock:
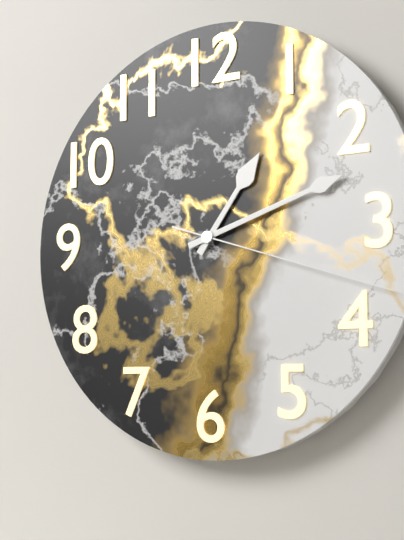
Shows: 1:12:18
